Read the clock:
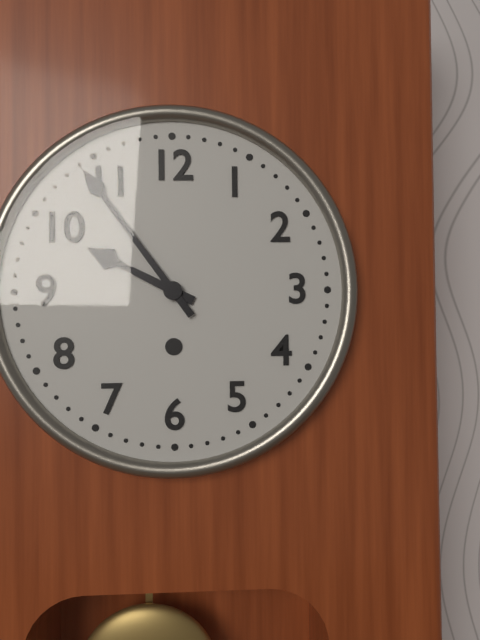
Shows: 9:54
